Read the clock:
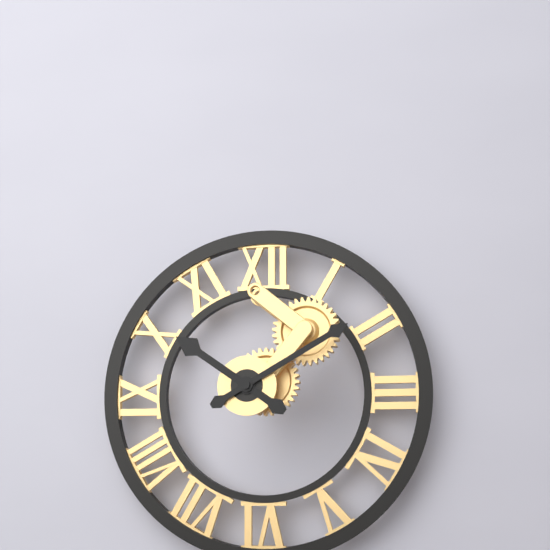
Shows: 10:10
